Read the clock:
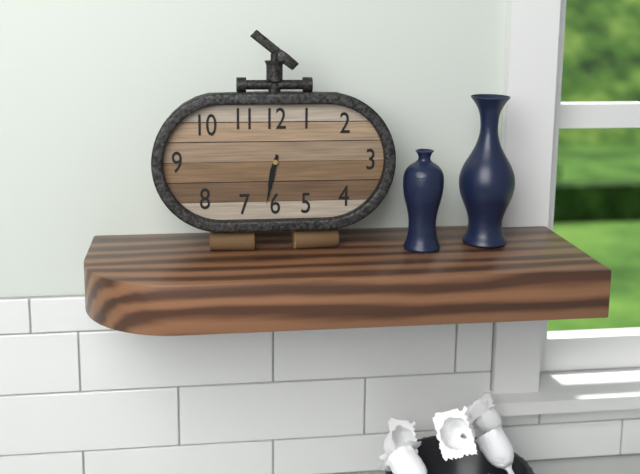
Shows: 6:32
